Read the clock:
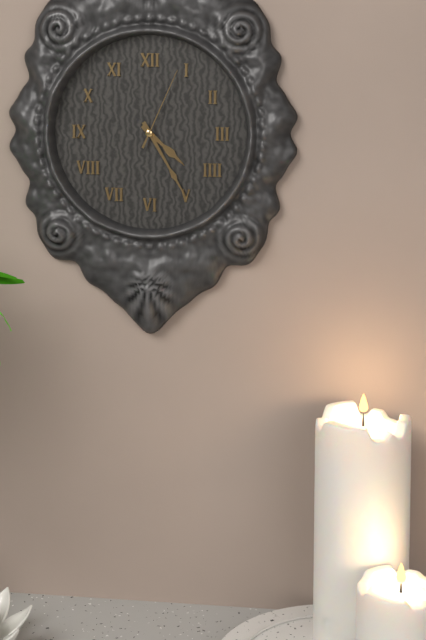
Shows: 4:25:04
